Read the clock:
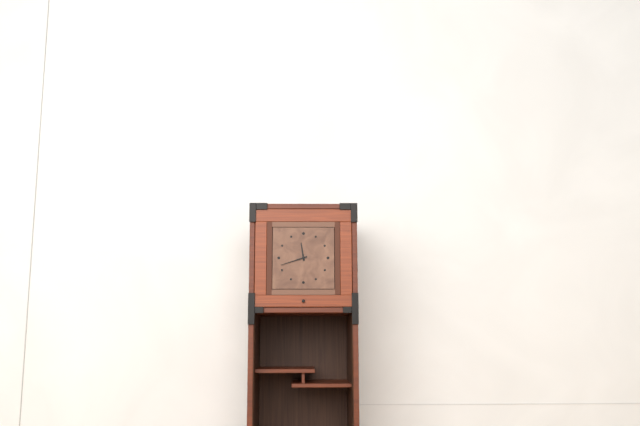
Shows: 11:42
